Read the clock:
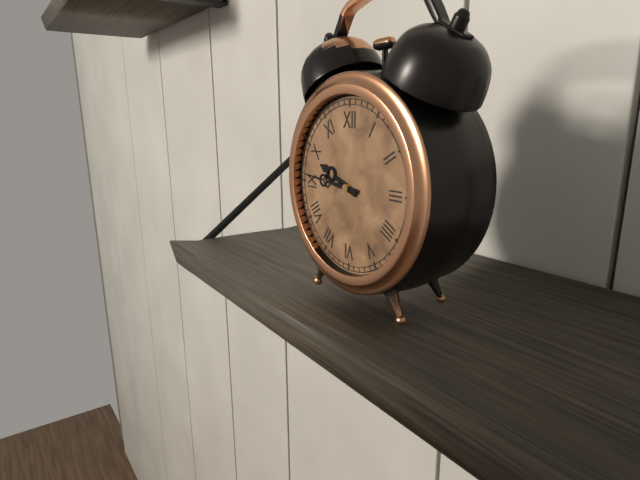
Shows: 9:46
